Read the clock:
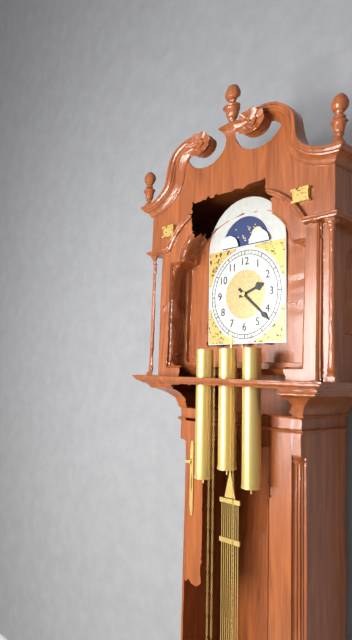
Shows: 2:22
